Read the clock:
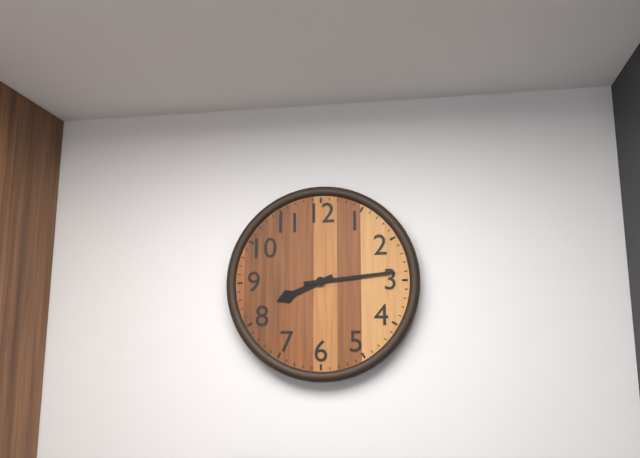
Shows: 8:14
